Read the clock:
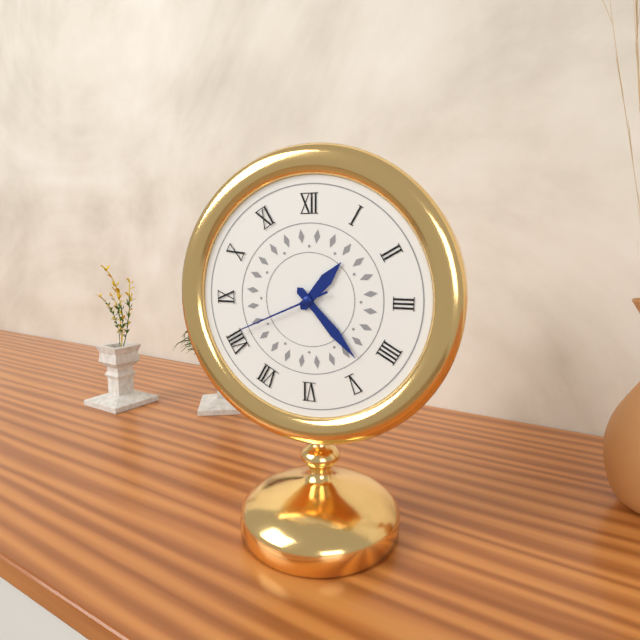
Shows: 1:23:41
